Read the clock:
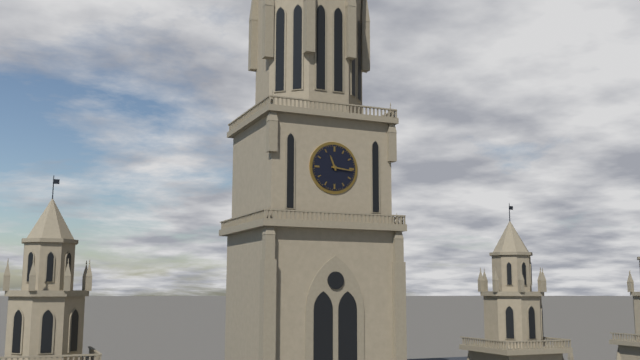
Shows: 11:16
